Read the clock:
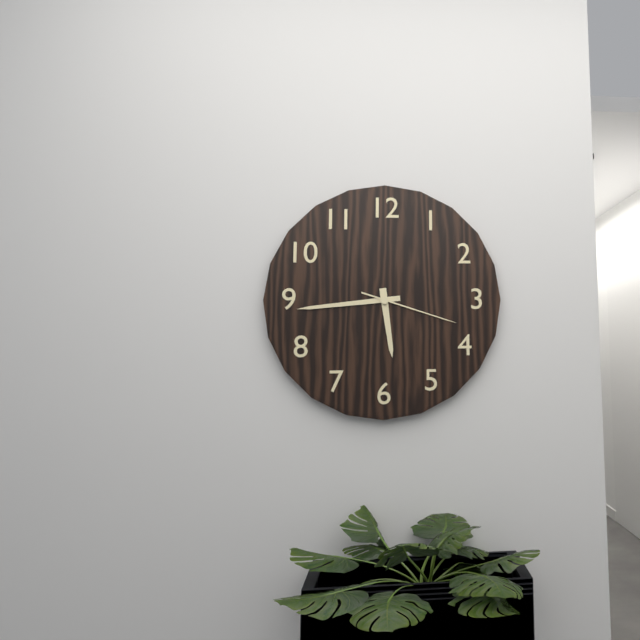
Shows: 5:44:18
